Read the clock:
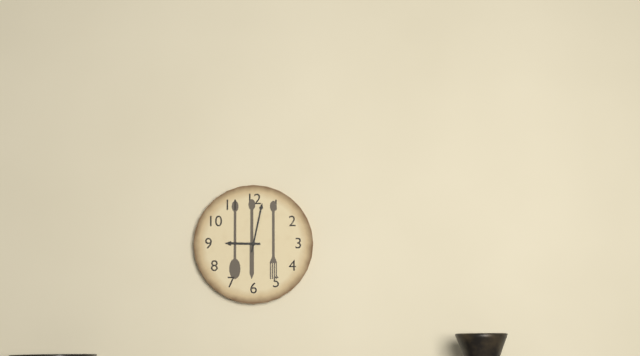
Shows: 9:02
